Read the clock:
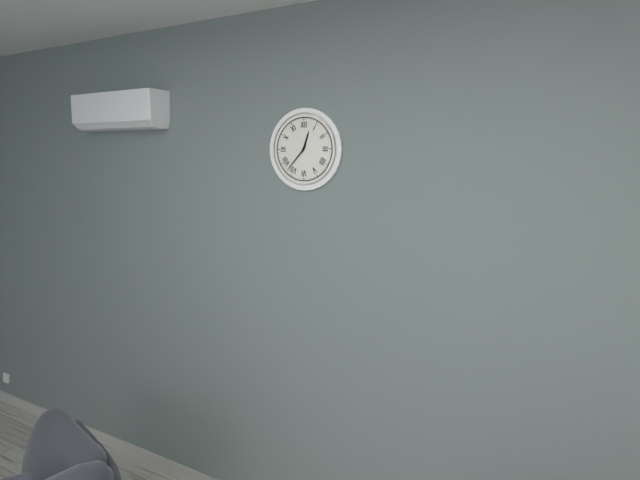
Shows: 12:37
